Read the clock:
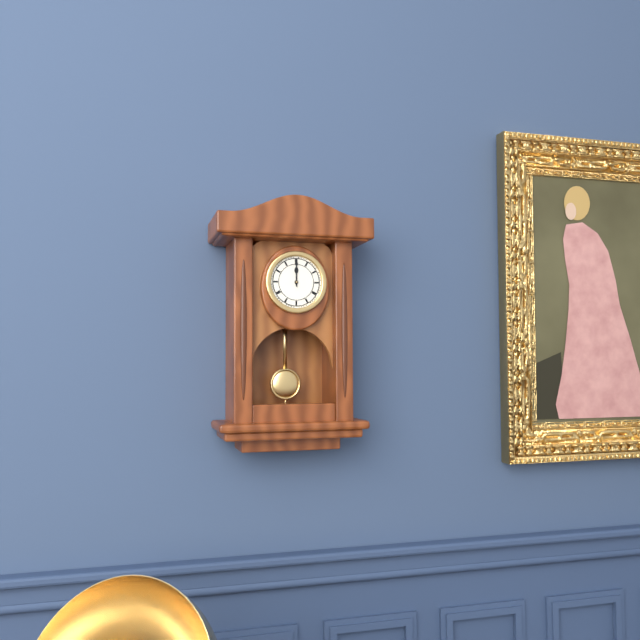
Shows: 12:00
